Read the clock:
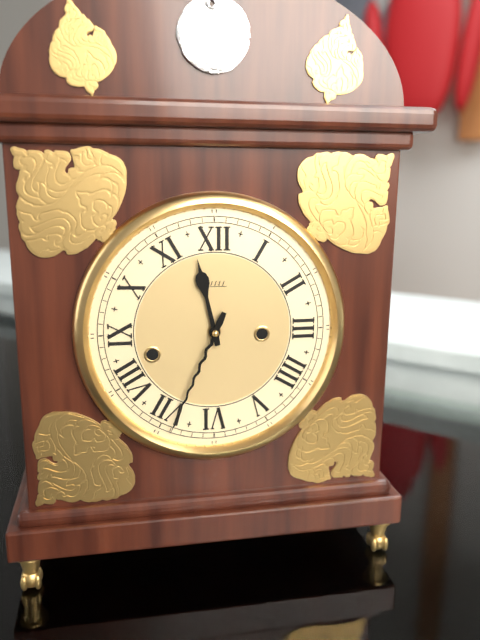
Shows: 11:34
